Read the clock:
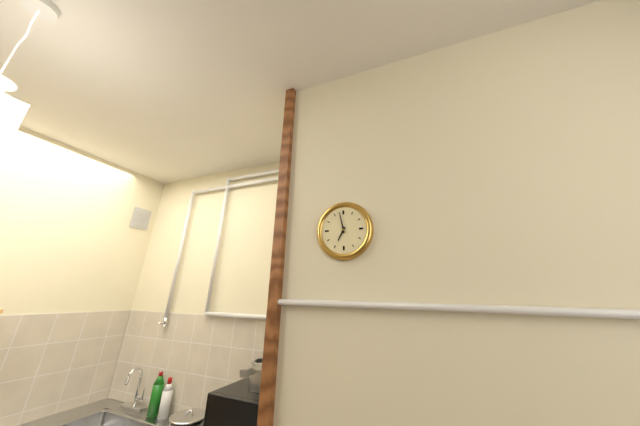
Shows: 6:58
